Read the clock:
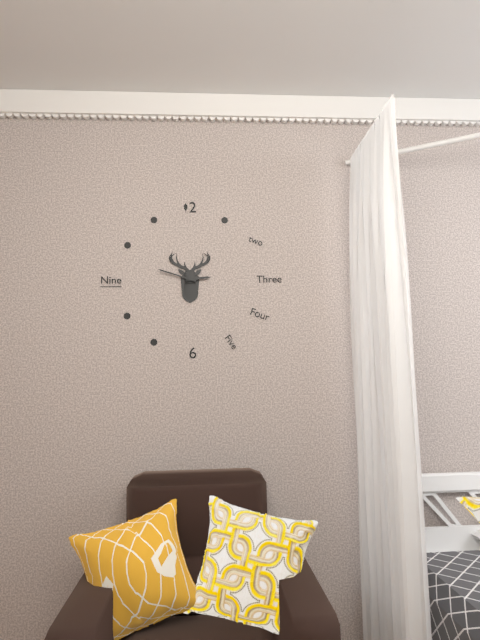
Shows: 2:48
